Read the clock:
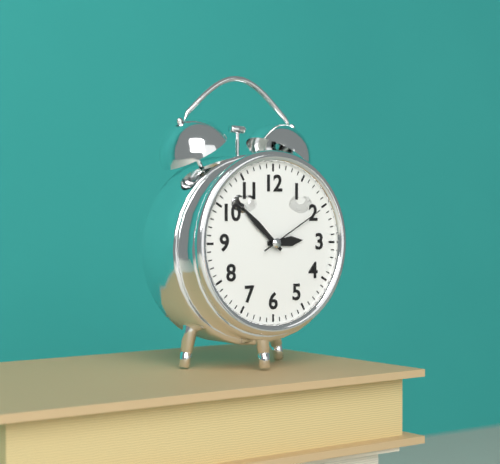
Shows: 2:52:10
